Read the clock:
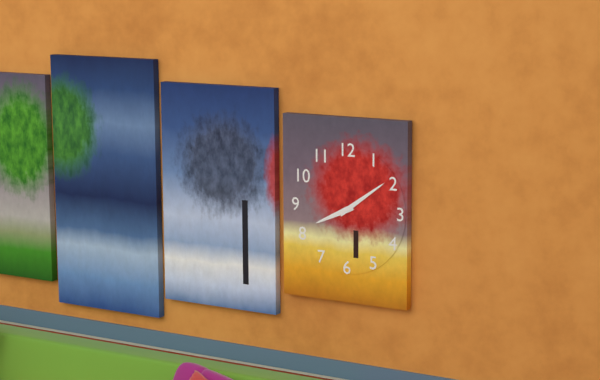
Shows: 8:09
